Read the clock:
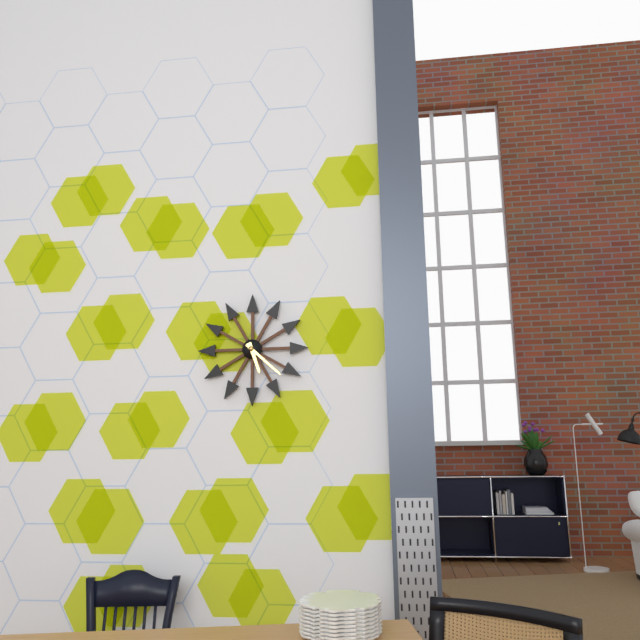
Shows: 5:22
